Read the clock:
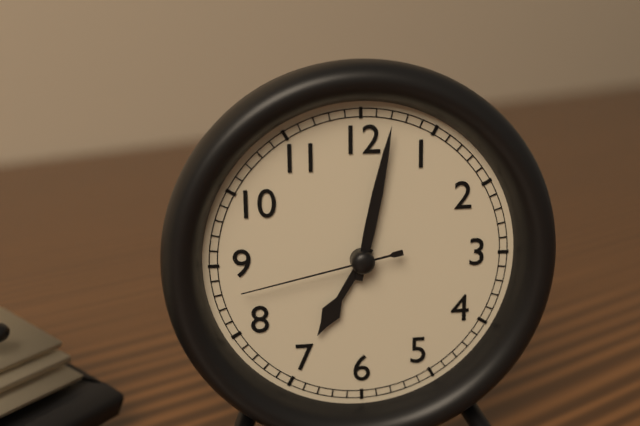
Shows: 7:02:43
